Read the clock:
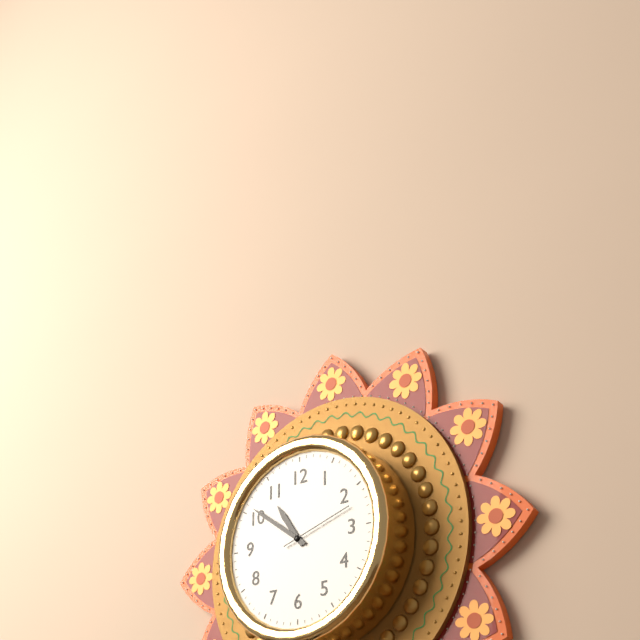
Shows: 10:51:12
